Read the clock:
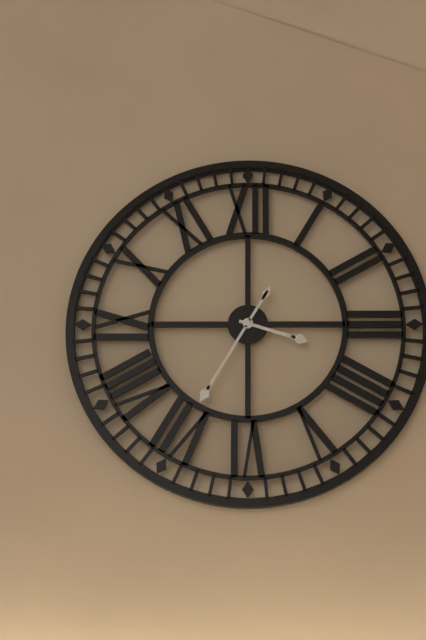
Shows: 3:35
